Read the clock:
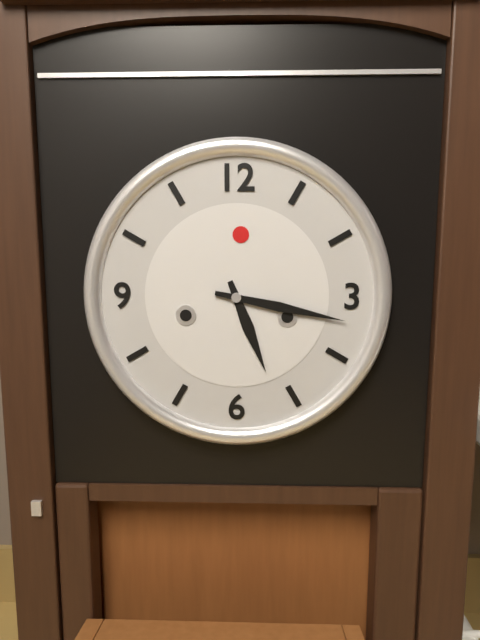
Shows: 5:17
